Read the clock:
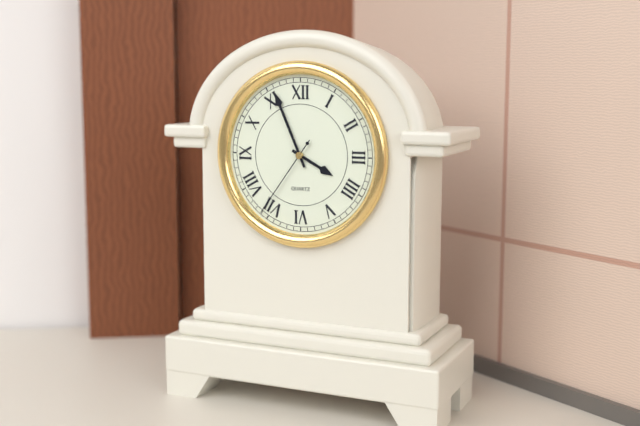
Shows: 3:56:36
